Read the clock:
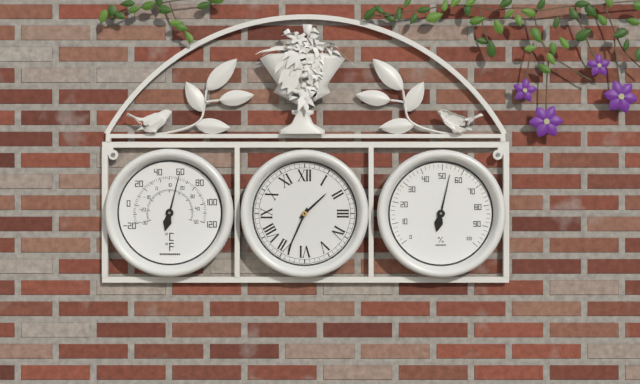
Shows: 1:34
